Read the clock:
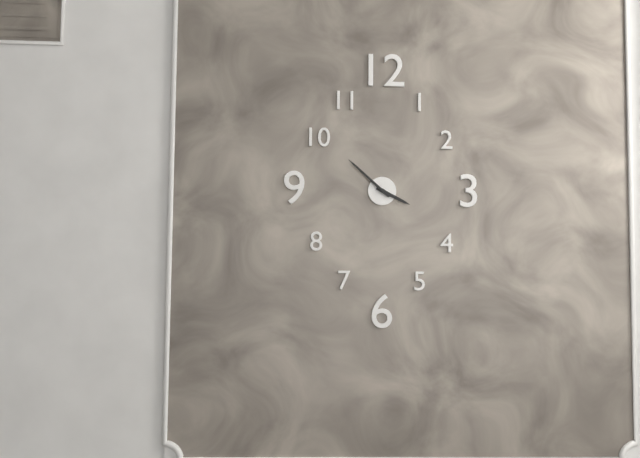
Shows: 3:52
